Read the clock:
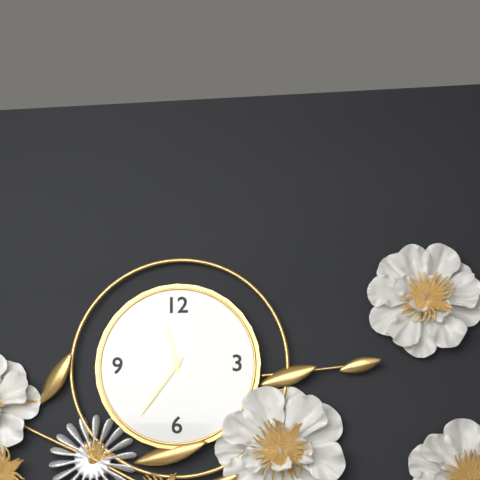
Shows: 11:36
